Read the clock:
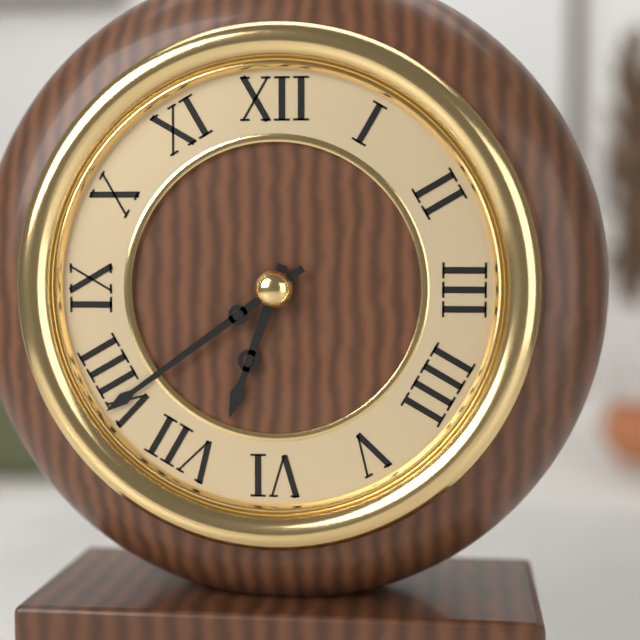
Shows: 6:39
